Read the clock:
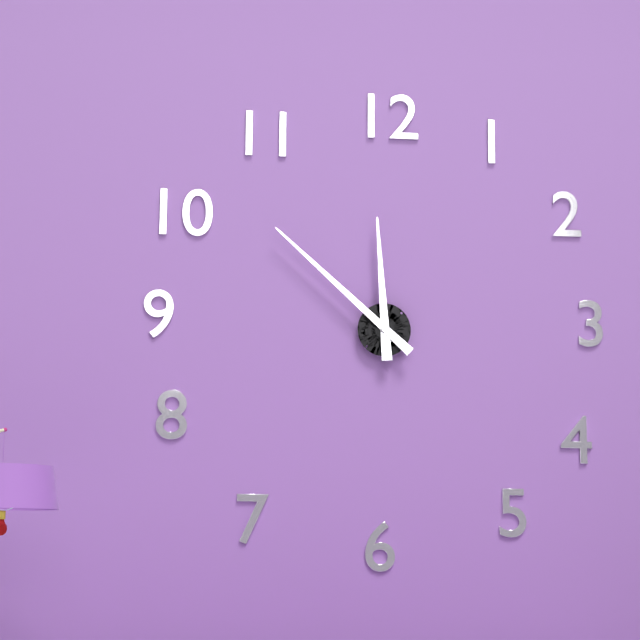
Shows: 11:52
